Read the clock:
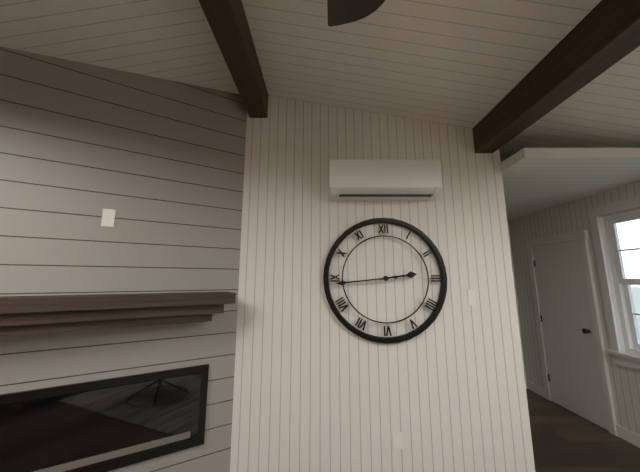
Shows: 2:44
